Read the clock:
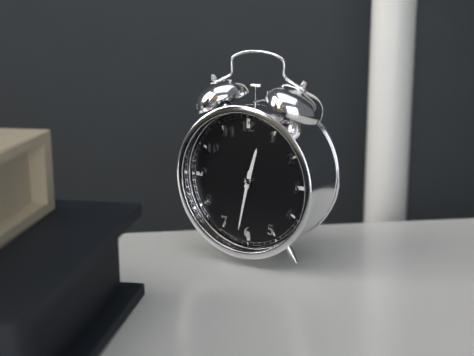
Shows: 12:32
